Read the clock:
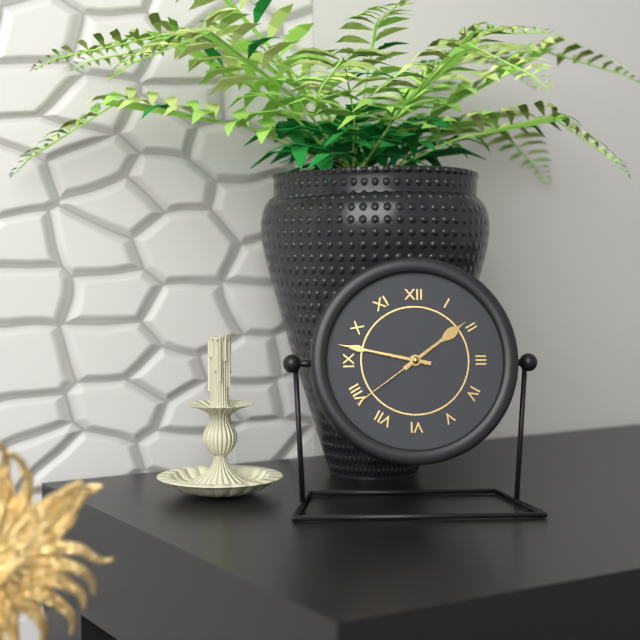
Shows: 1:47:39
